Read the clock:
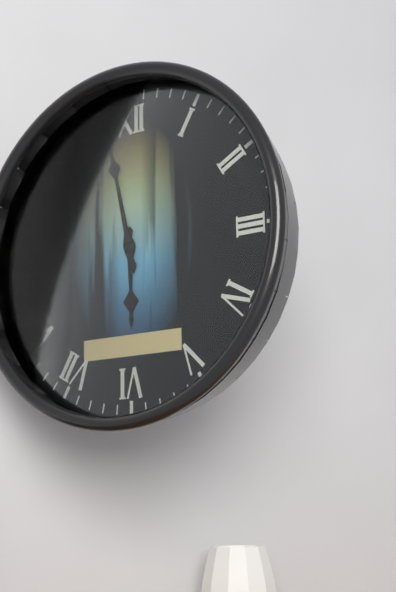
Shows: 5:58
